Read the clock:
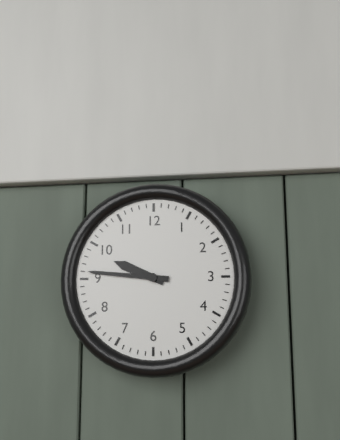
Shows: 9:46
